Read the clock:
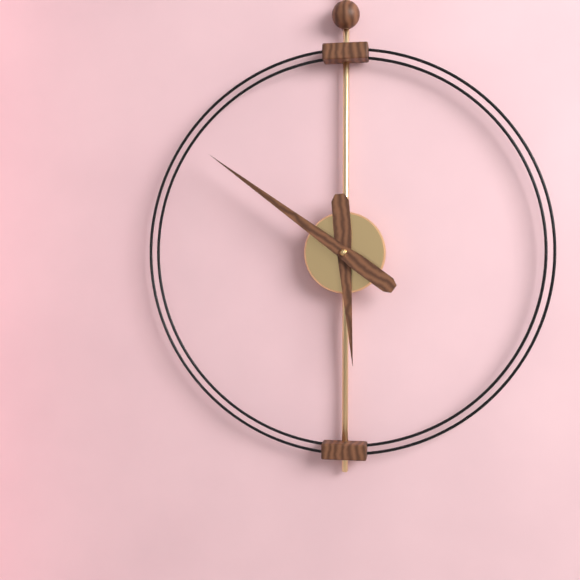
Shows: 5:51
